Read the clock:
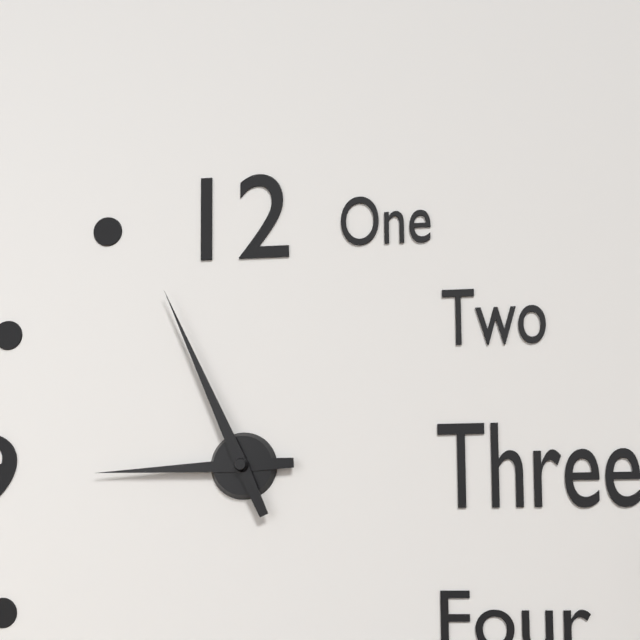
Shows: 8:56
